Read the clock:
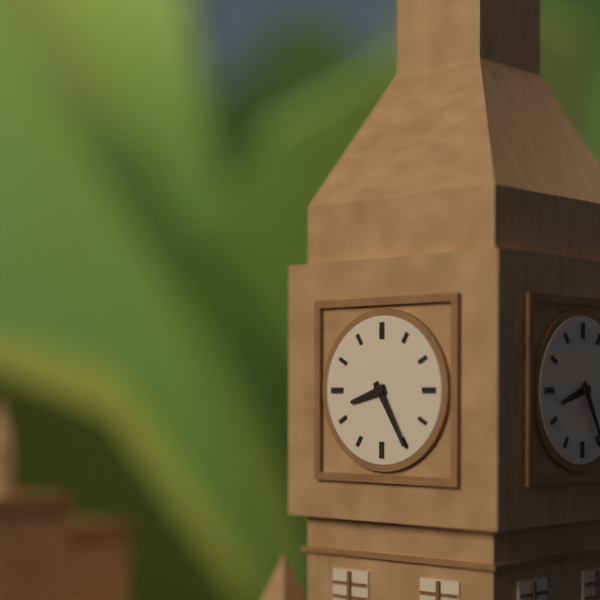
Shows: 8:25
